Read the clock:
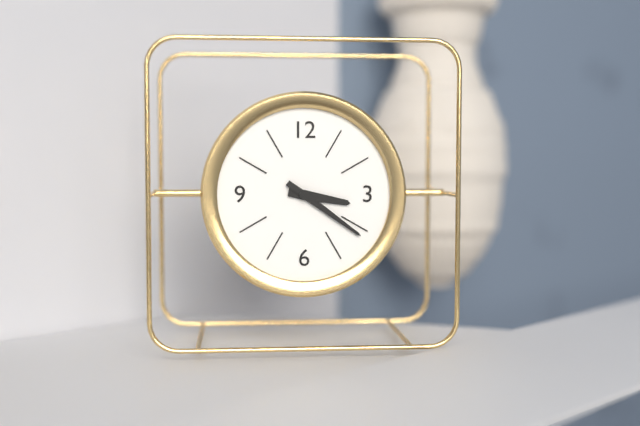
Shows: 3:21
